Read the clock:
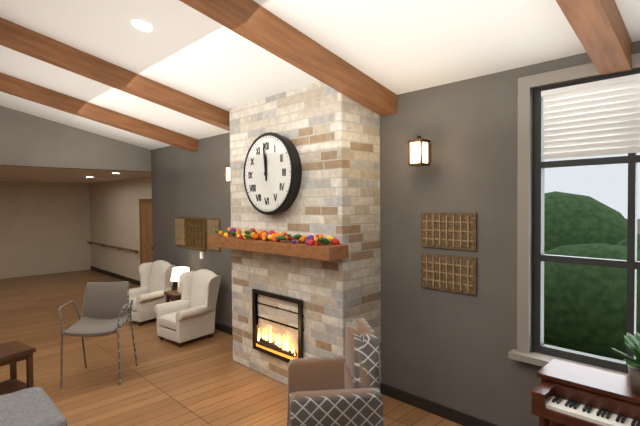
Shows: 11:59
